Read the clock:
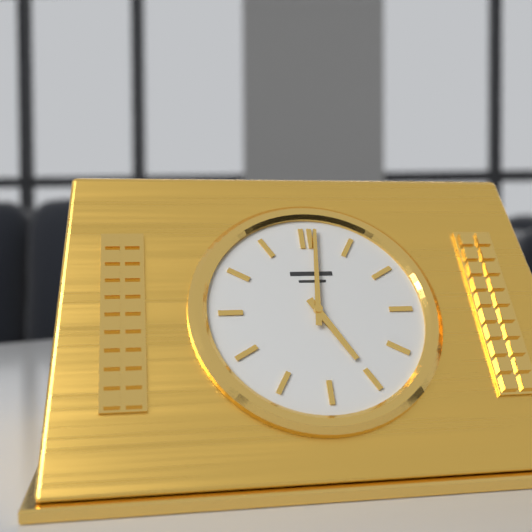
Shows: 5:01
